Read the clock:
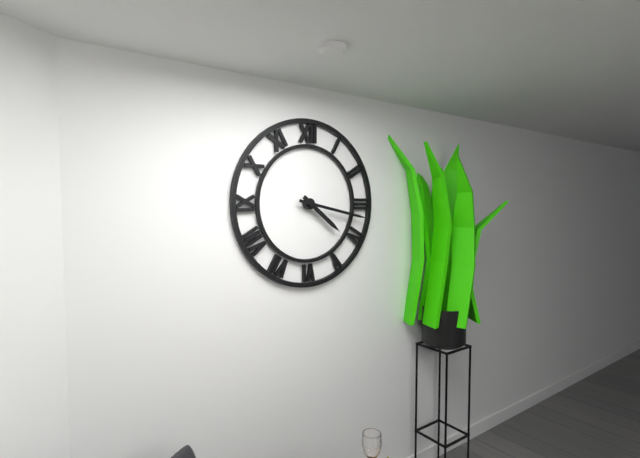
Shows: 4:17
